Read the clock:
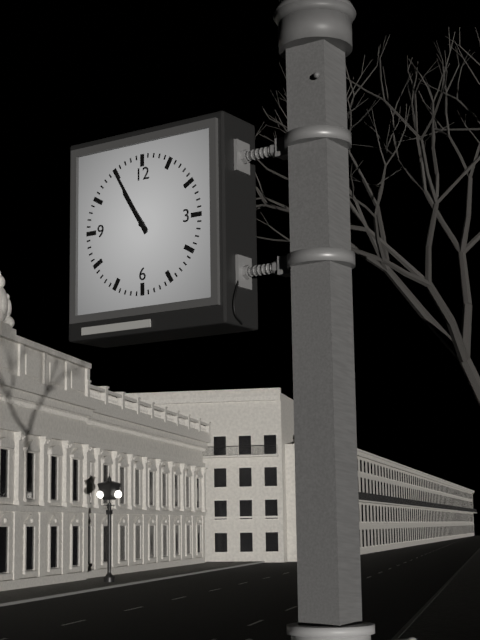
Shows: 10:55
